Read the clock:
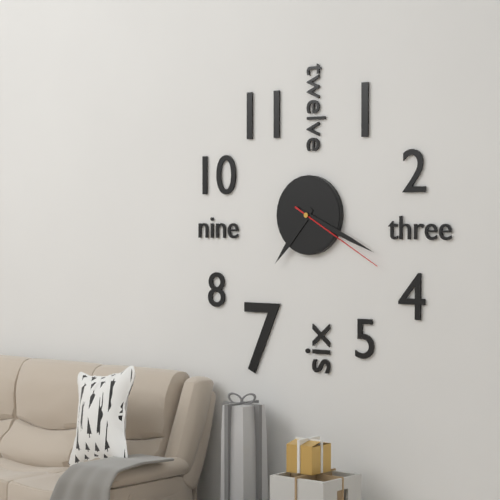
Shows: 7:19:20
